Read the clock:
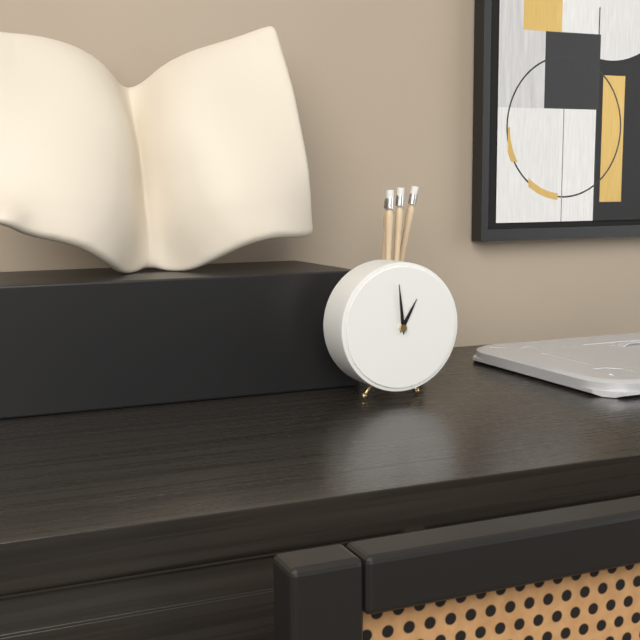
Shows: 12:59
